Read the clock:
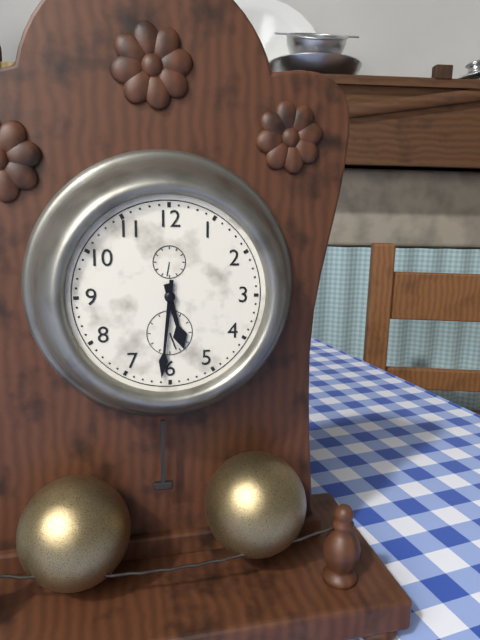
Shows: 5:31
